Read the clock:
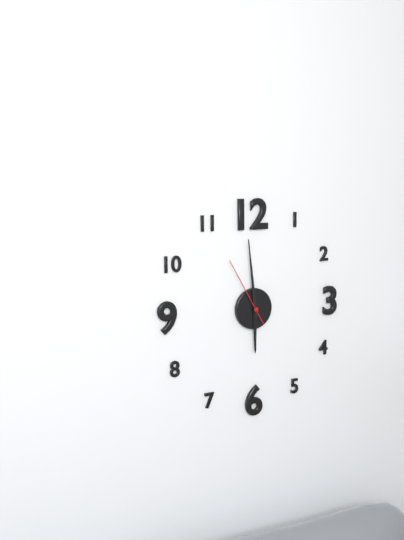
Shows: 5:59:55
